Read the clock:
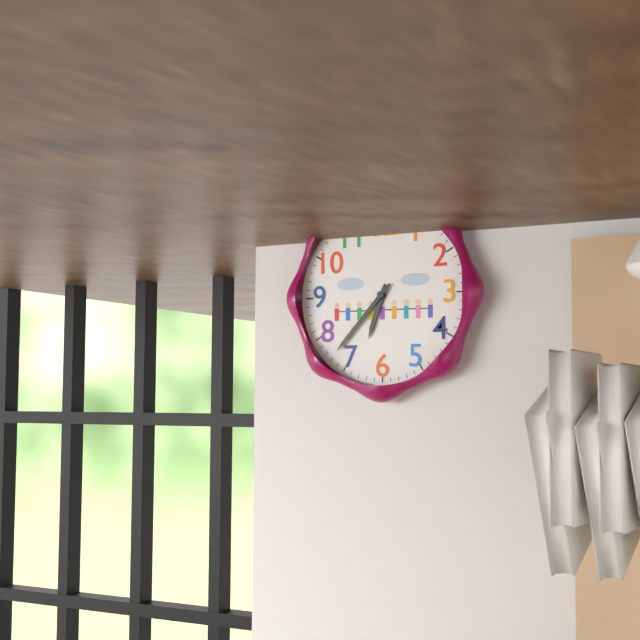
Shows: 6:37
